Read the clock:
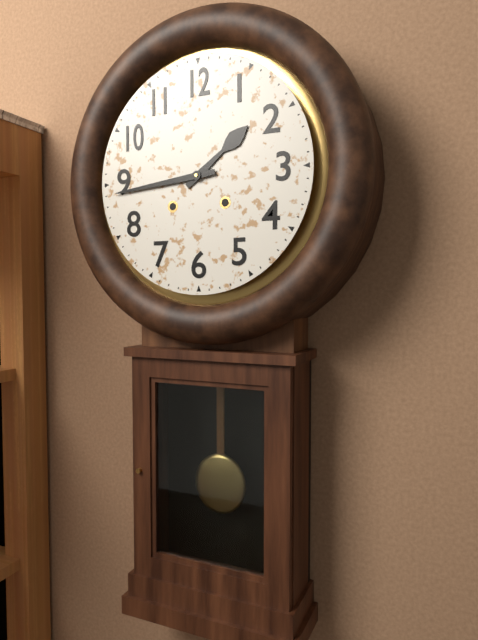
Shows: 1:44
